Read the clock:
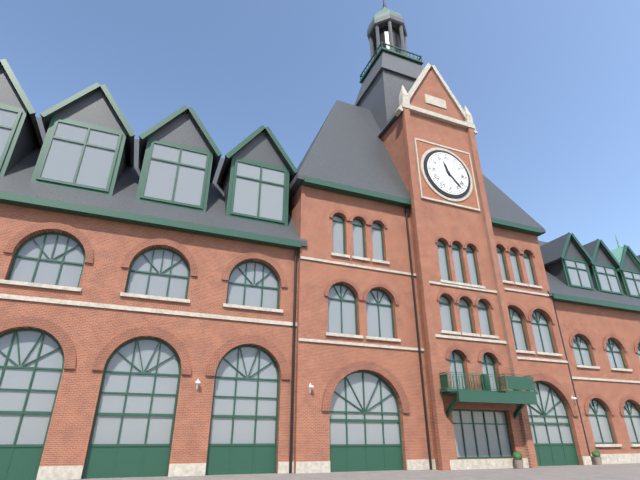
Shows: 11:23
